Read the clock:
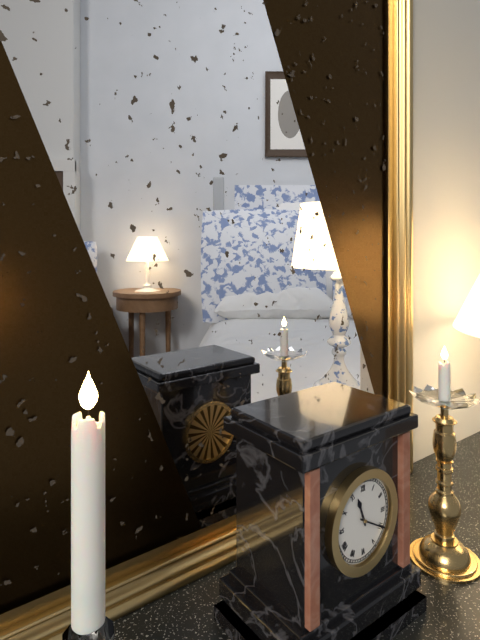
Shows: 11:20
